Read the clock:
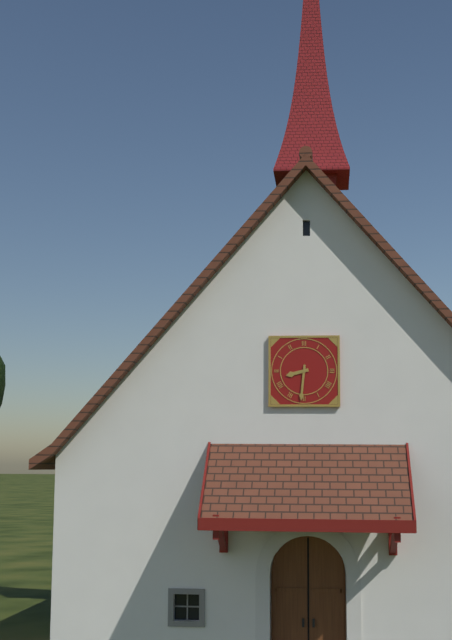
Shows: 8:31
